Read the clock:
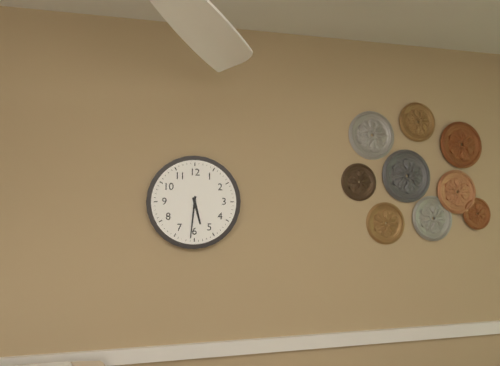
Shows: 5:31
